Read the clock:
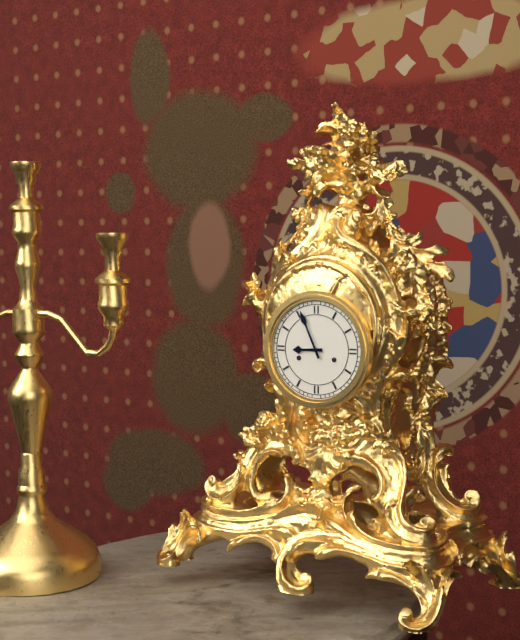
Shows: 8:56
